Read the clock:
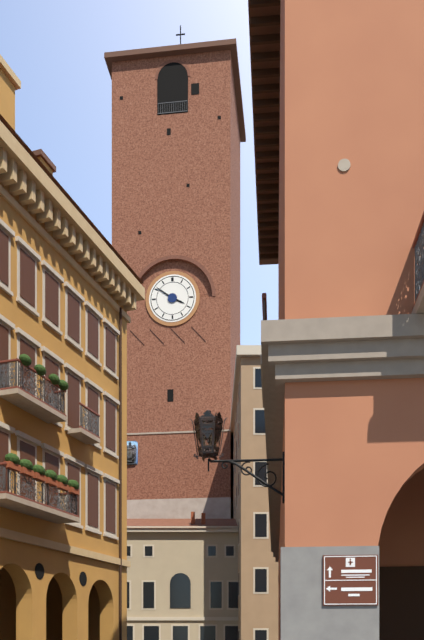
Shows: 3:51
